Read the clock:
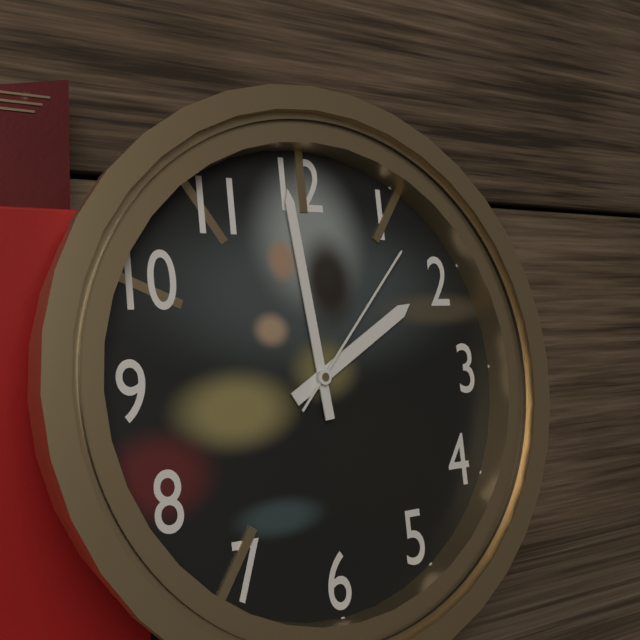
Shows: 1:59:07
